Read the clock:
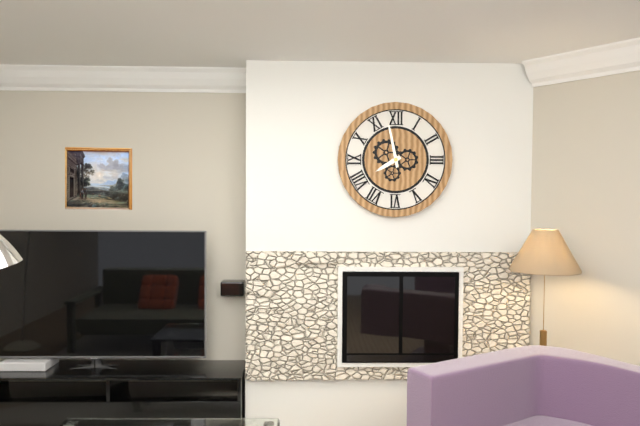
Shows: 7:58
